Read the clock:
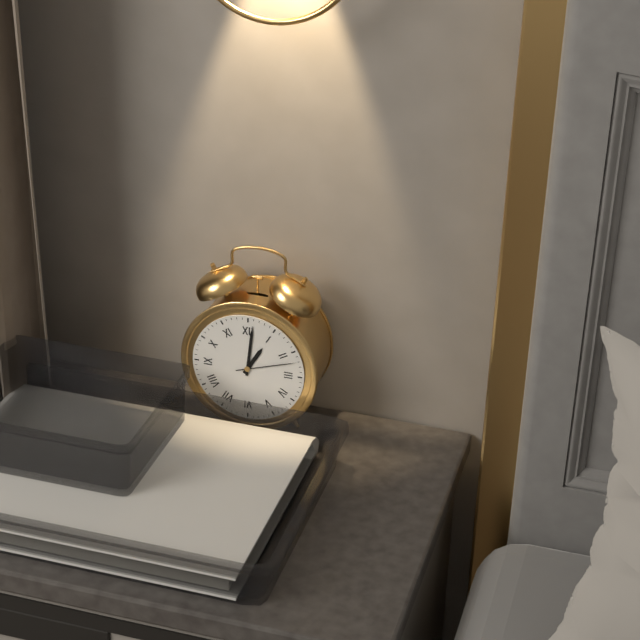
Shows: 1:01:12
